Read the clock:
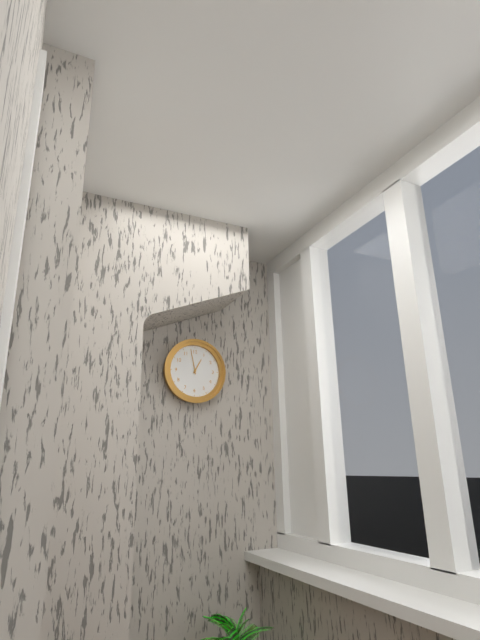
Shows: 12:58
